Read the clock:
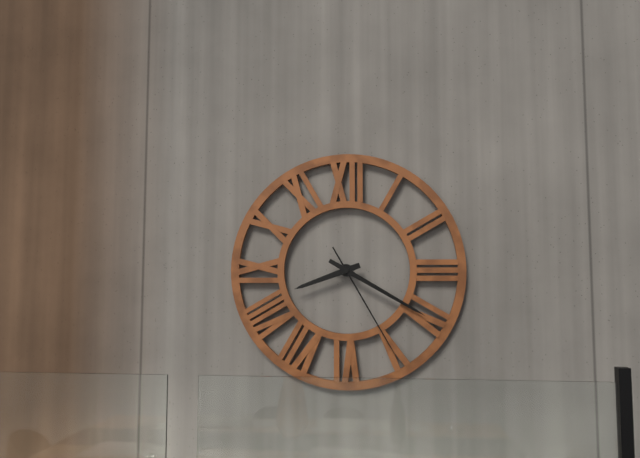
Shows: 8:20:25
